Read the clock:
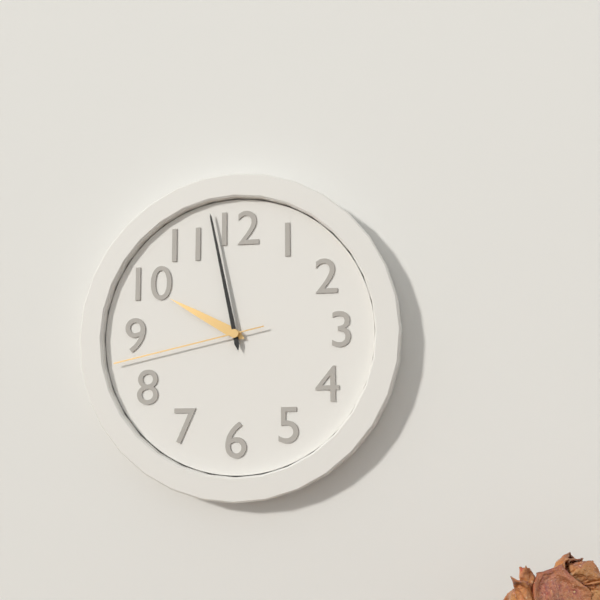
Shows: 9:58:43
